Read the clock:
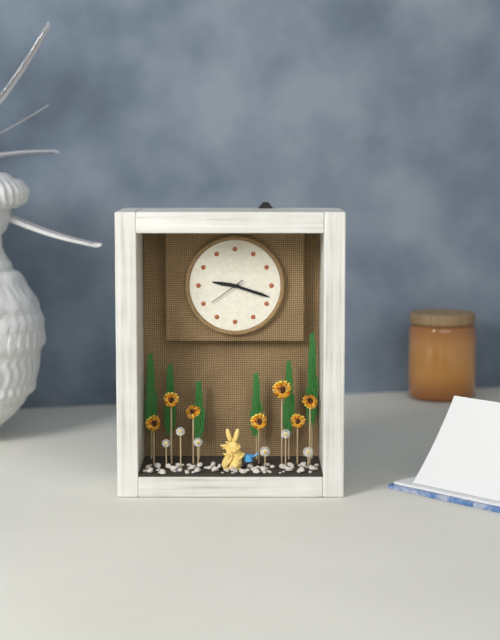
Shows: 9:18
